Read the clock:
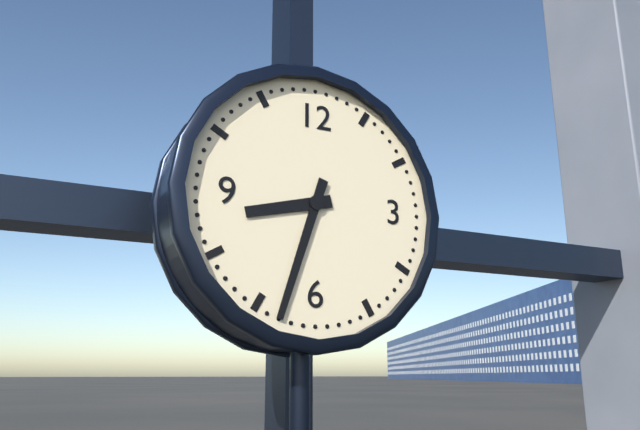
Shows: 8:33
